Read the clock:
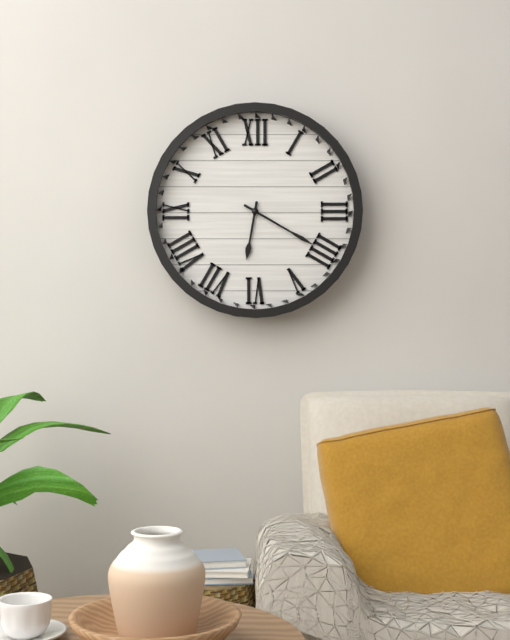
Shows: 6:20
